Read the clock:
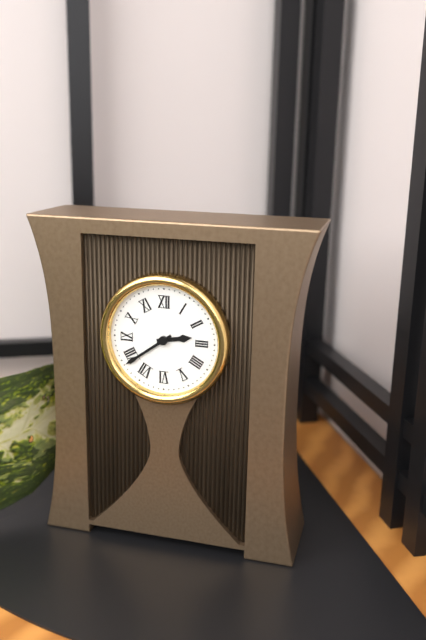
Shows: 2:39
